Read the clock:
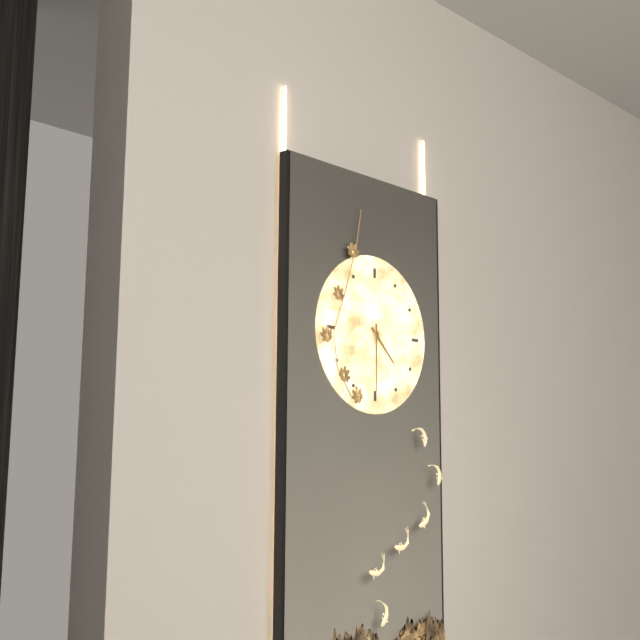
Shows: 4:30
